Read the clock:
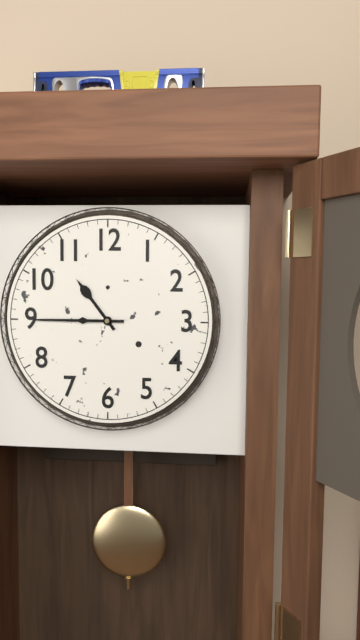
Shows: 10:45
